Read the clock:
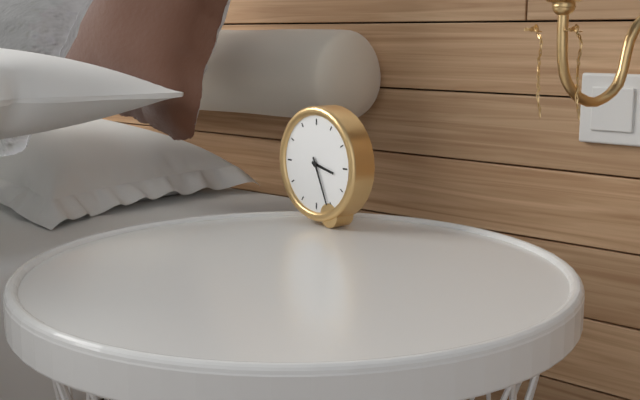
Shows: 3:26
